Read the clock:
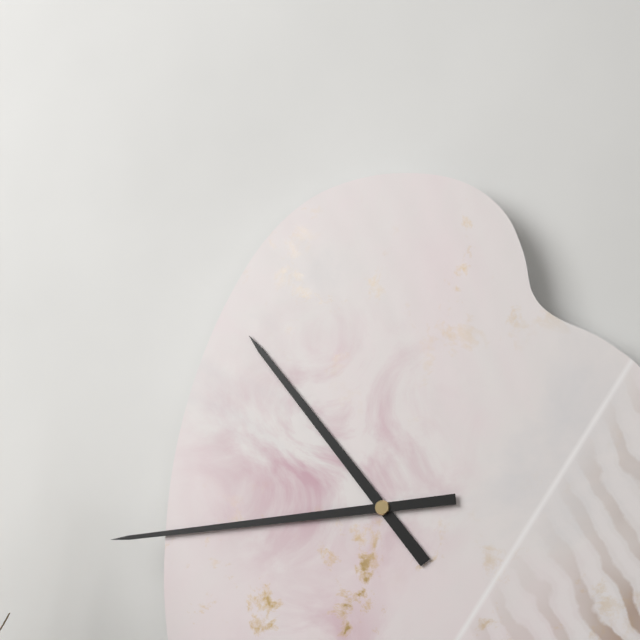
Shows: 10:44
